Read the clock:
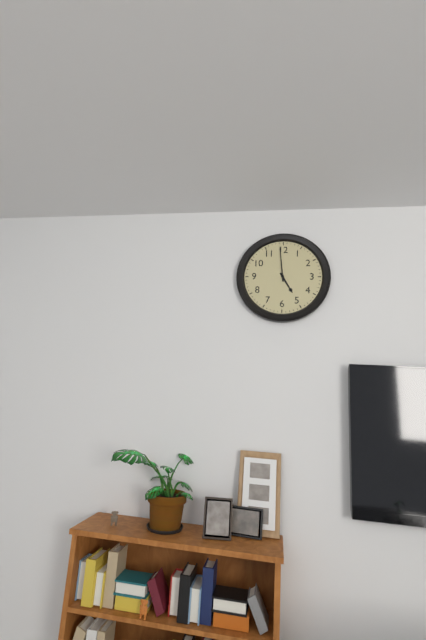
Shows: 4:59
